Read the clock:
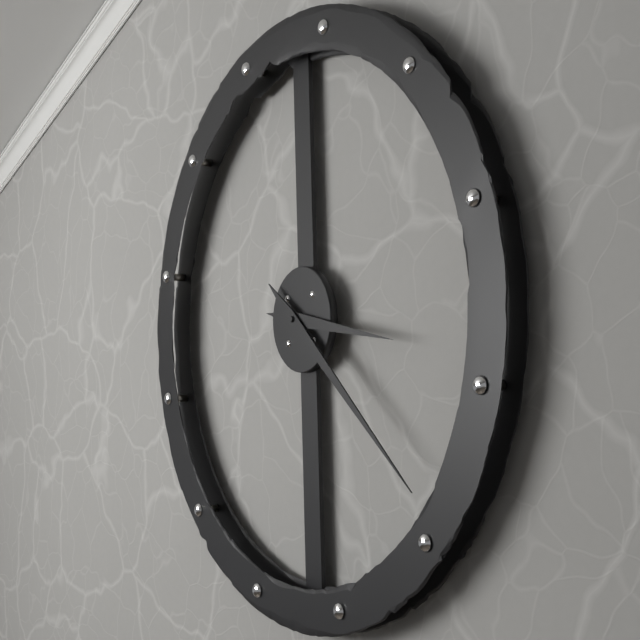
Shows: 3:22
